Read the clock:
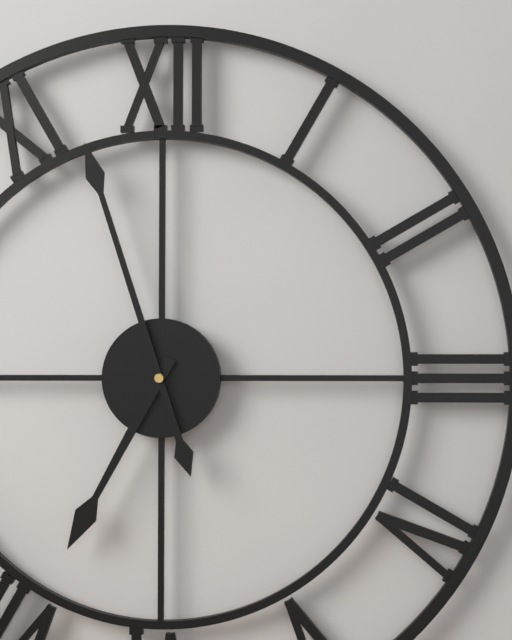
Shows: 6:57
